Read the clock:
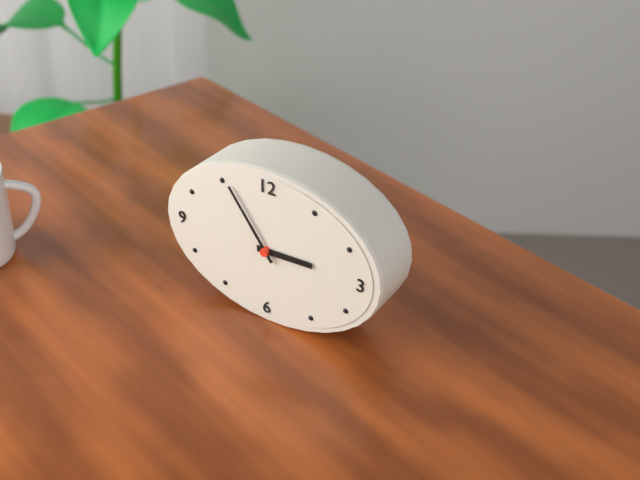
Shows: 2:54
